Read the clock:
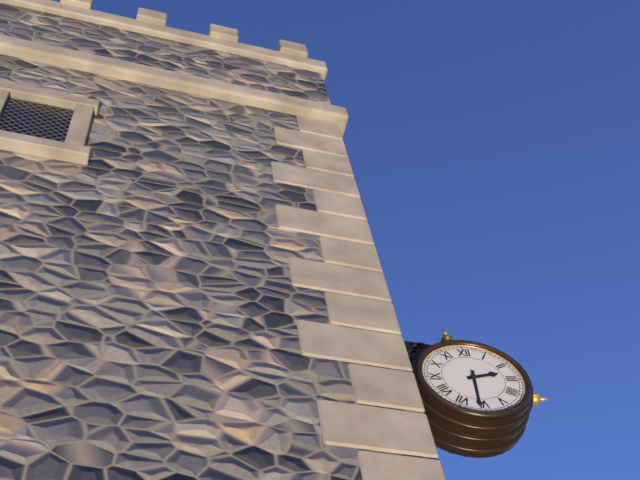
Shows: 2:31
